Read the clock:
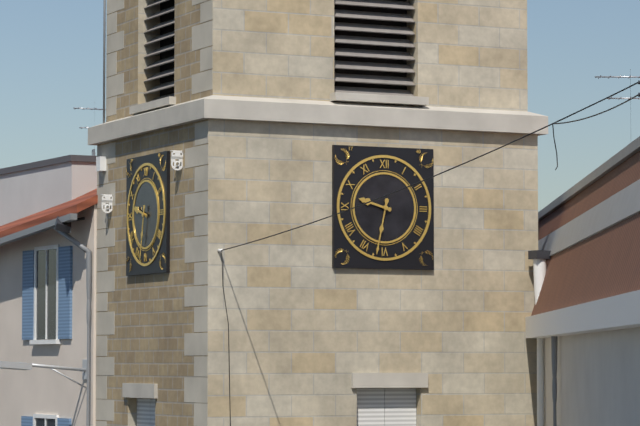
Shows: 9:32
